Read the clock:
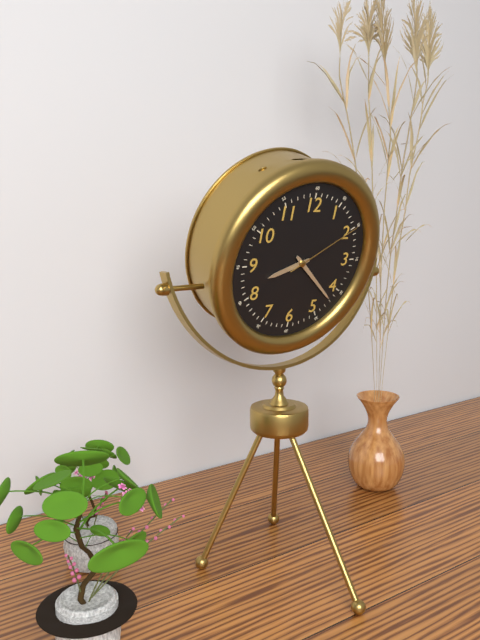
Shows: 8:22:10
